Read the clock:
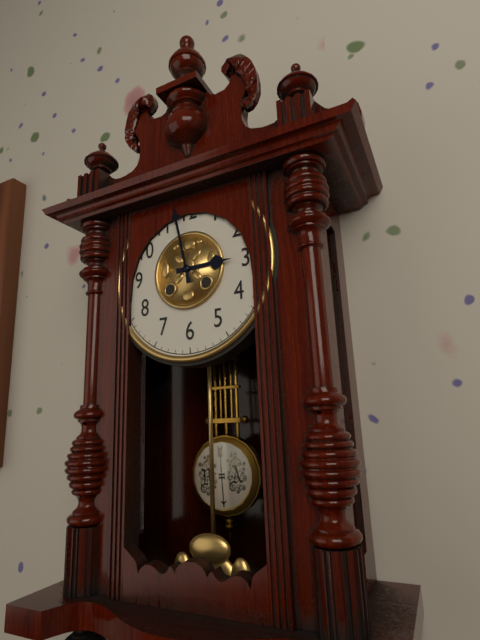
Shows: 2:58
